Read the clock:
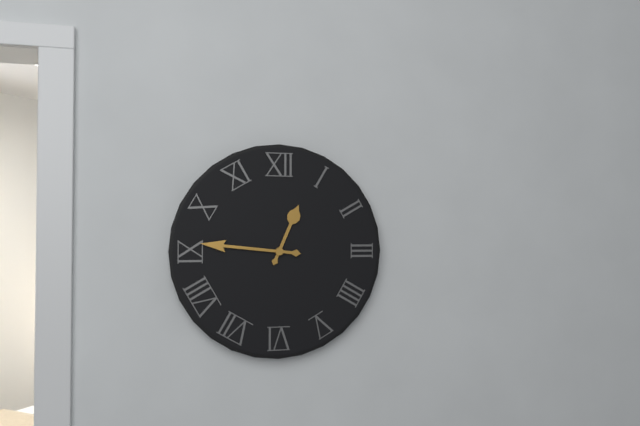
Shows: 12:46
